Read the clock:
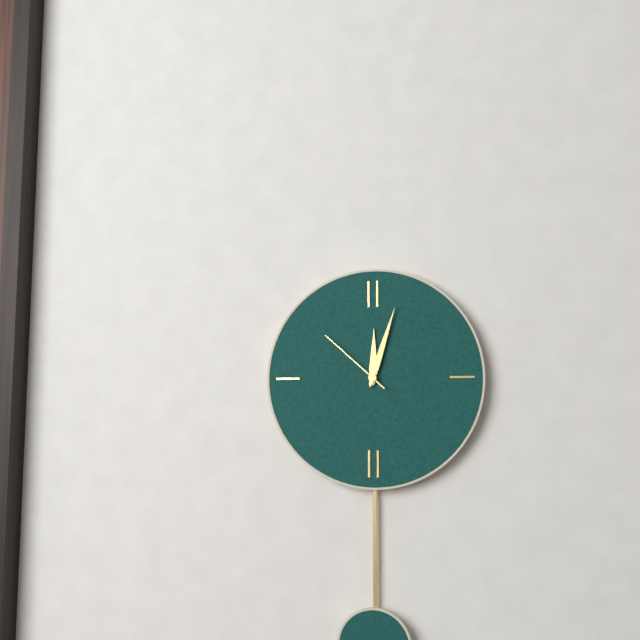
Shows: 12:03:52
